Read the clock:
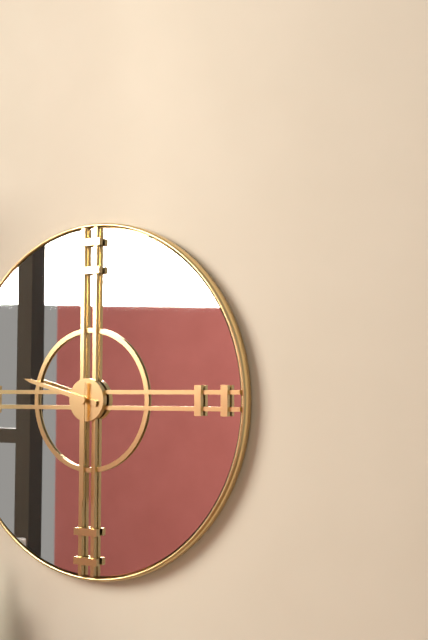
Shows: 9:30
